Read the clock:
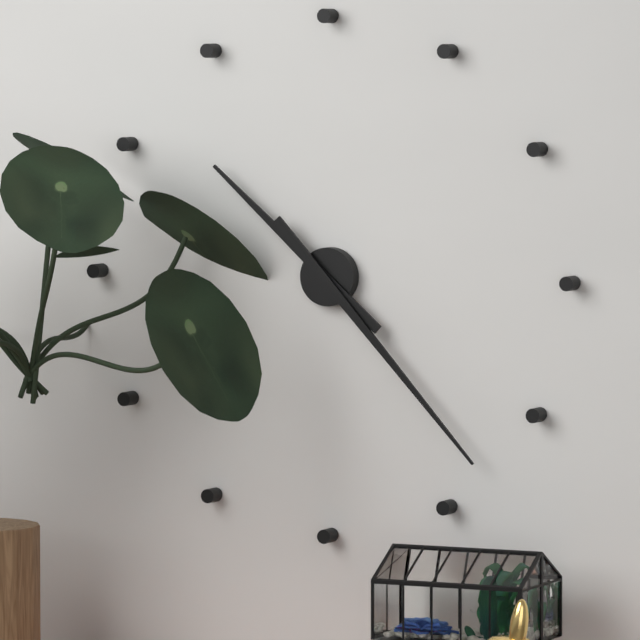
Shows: 10:23
